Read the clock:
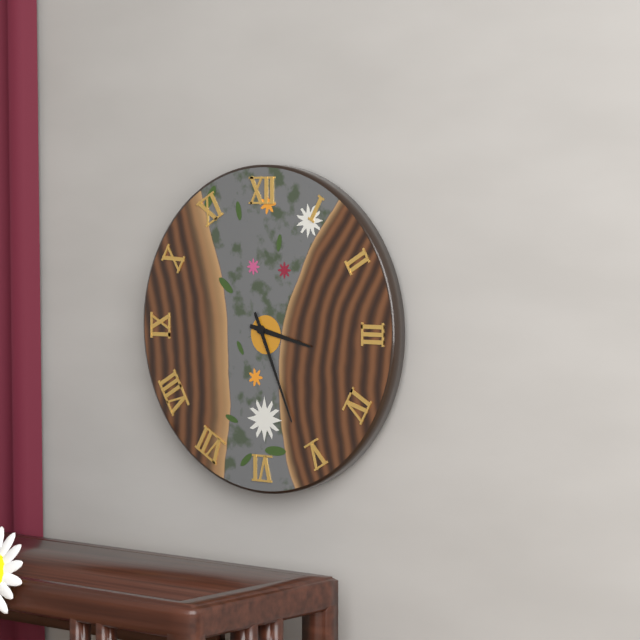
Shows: 3:26
